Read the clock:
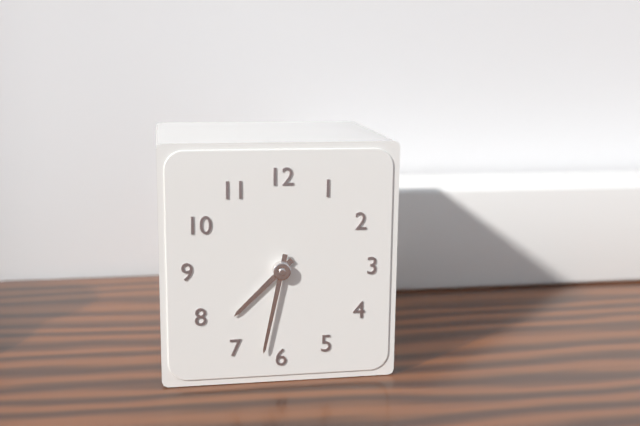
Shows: 7:32
